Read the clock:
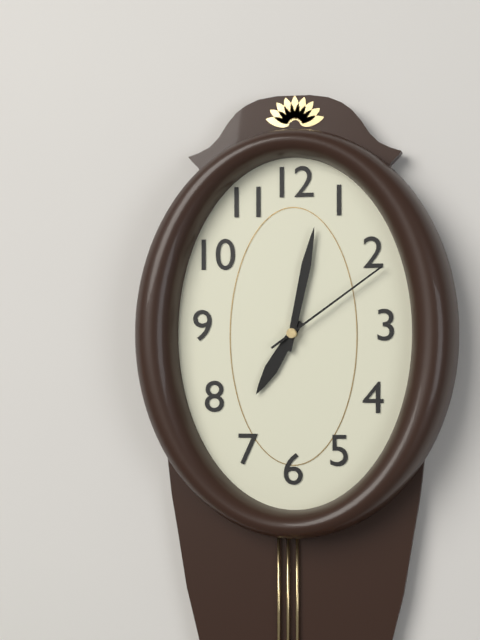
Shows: 7:02:09
